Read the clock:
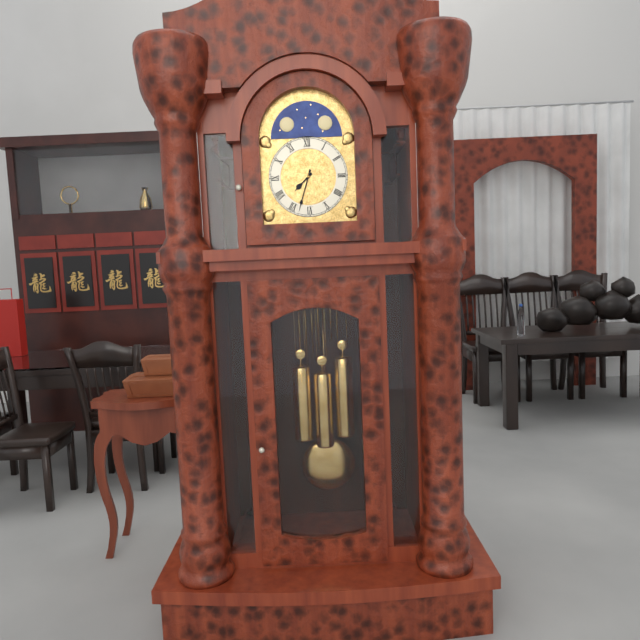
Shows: 7:33
